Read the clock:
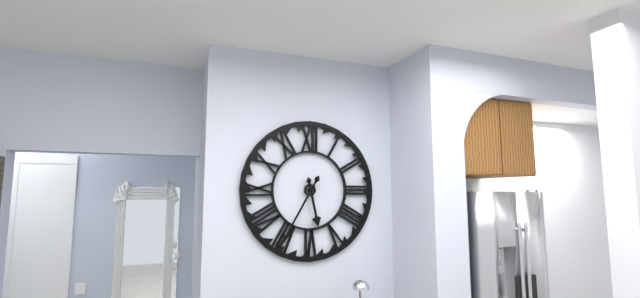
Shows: 5:35
